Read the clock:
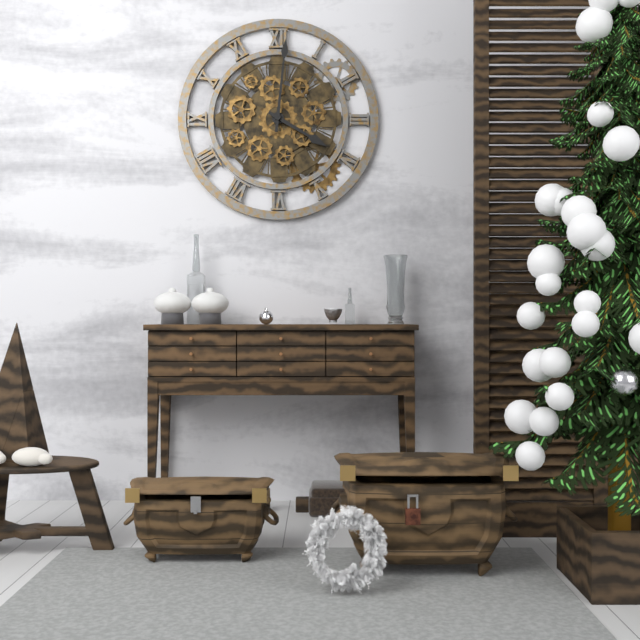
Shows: 4:01
